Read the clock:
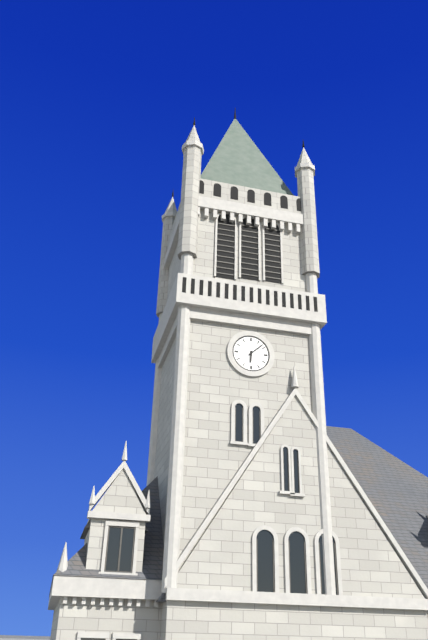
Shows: 6:08
